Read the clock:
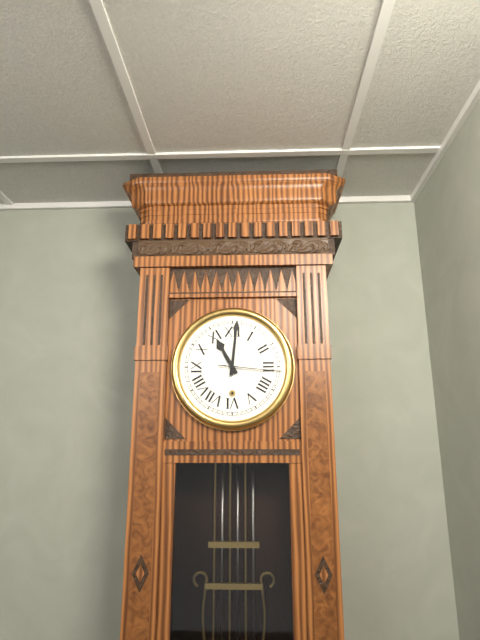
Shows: 11:01:16
